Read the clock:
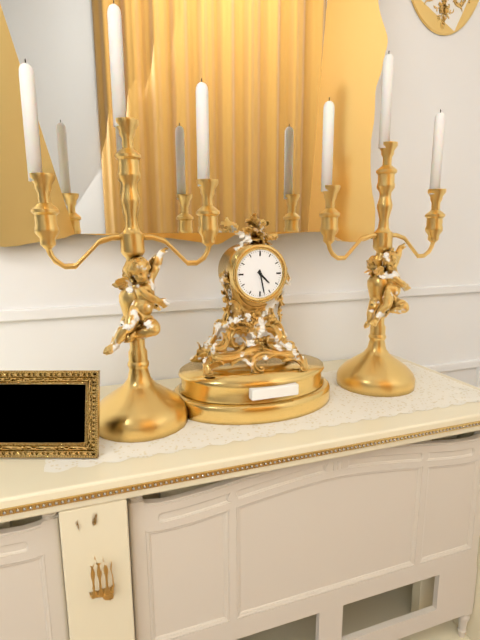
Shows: 4:28
